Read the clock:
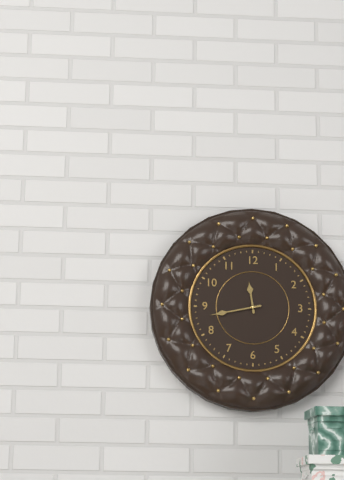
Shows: 11:43
